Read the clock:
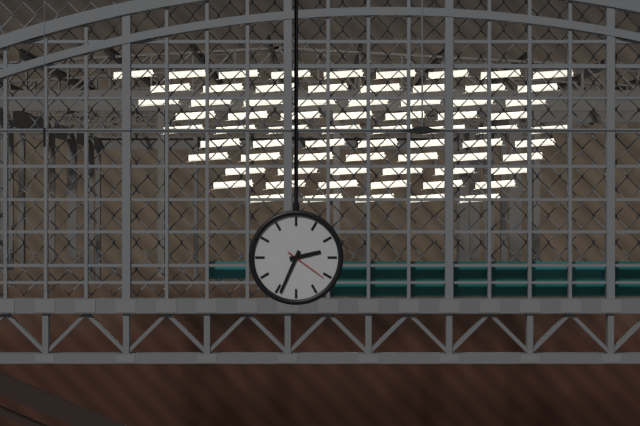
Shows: 2:34
